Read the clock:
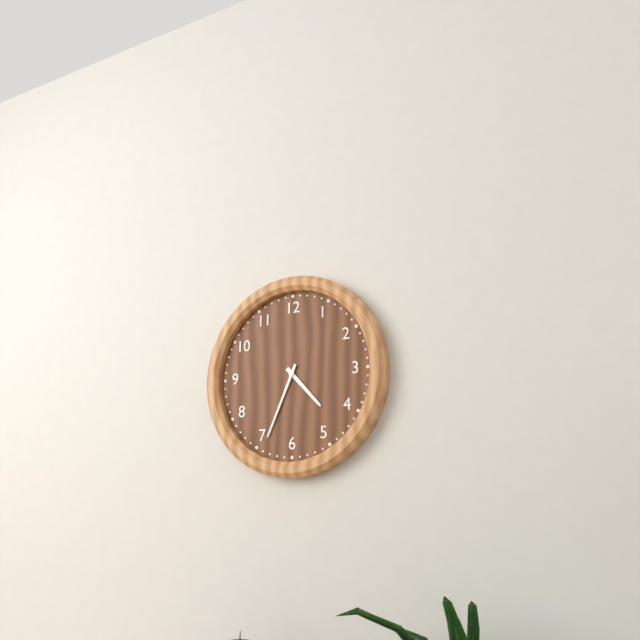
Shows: 4:34
